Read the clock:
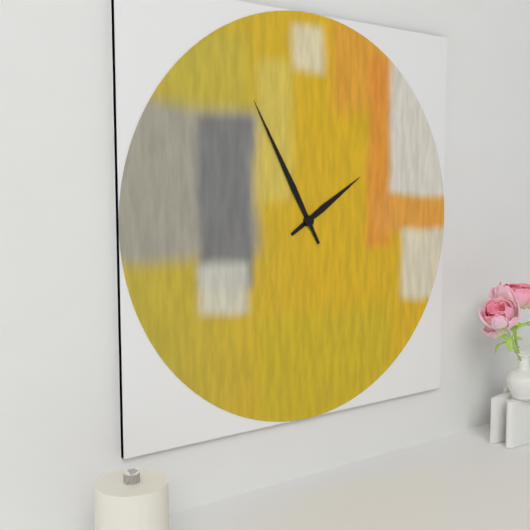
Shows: 1:55
